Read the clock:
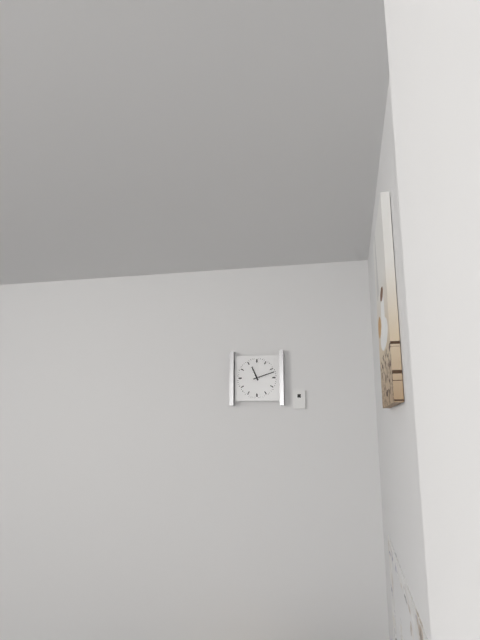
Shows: 11:12
